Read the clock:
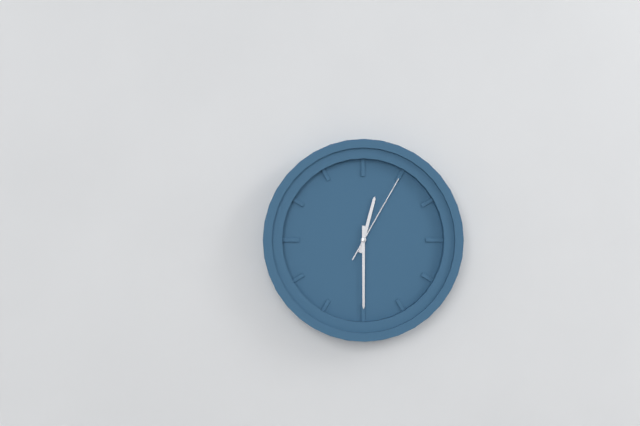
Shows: 12:30:05
